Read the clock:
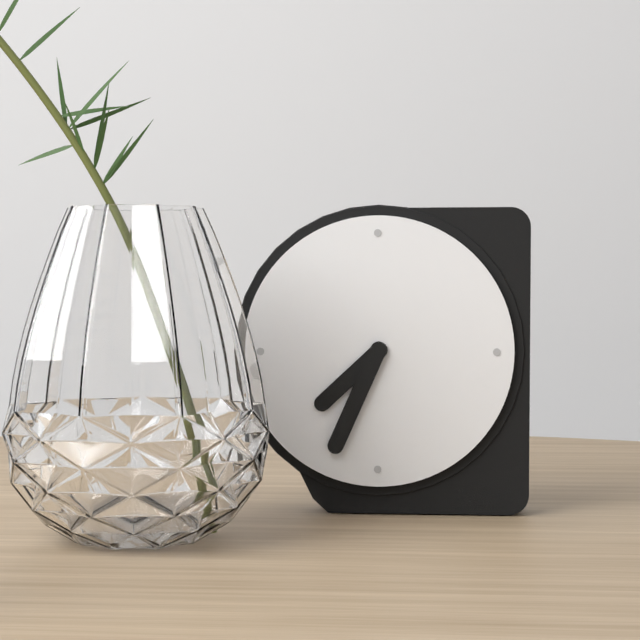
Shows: 7:34
